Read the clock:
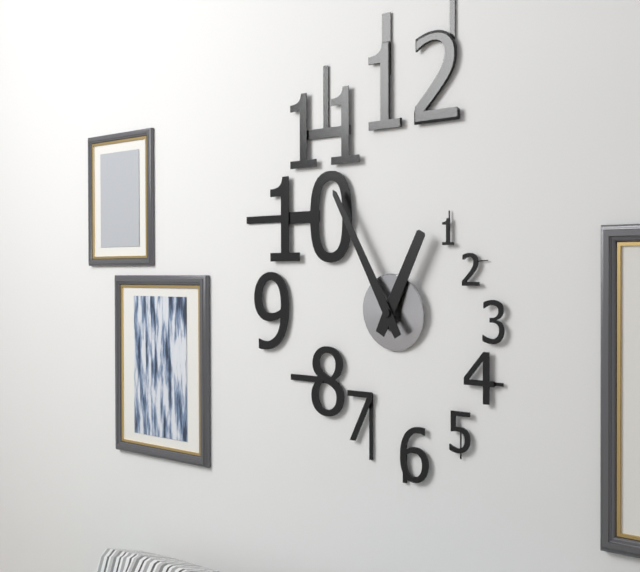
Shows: 12:55
